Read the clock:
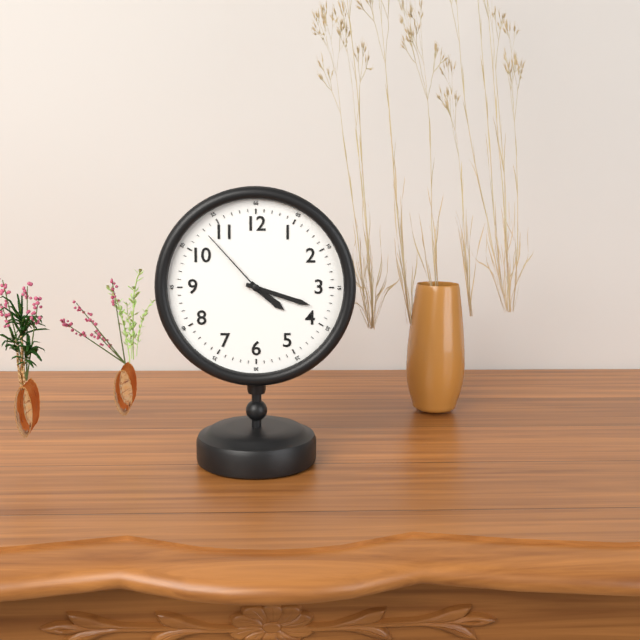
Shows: 4:18:53
